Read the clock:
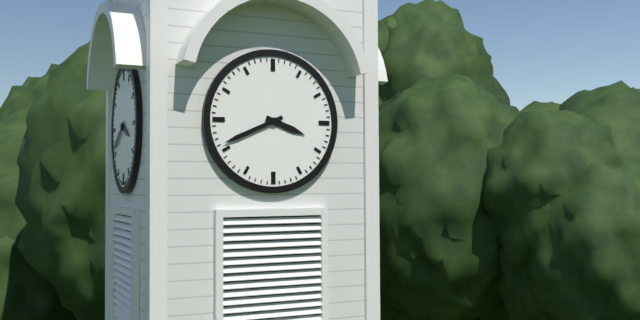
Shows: 3:41
